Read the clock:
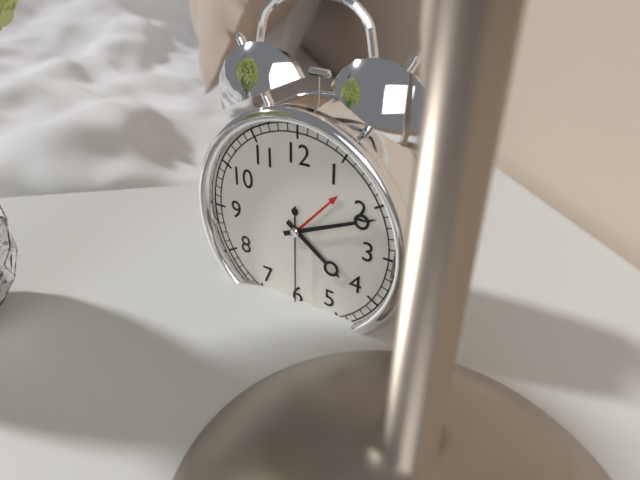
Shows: 4:11:30
